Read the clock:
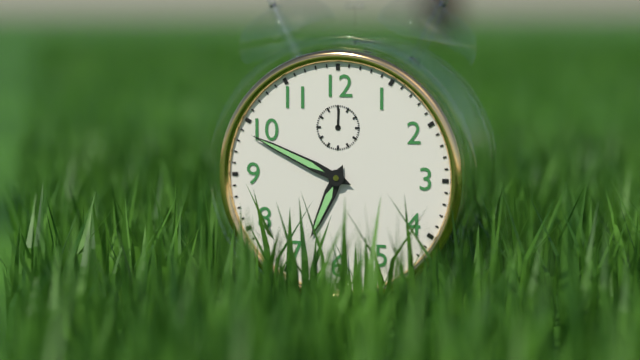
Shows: 6:49
